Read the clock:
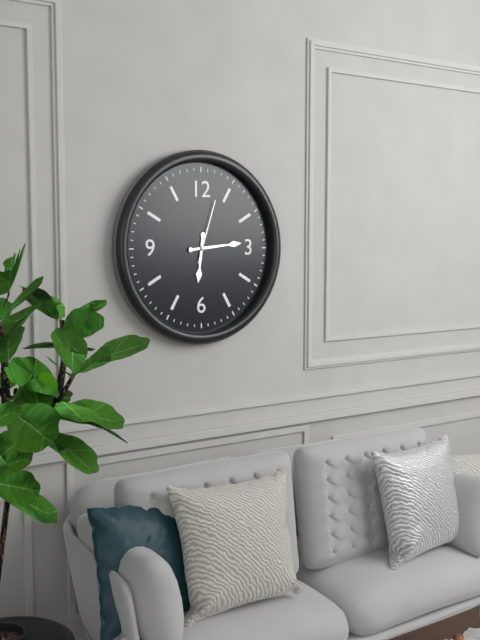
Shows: 6:14:03
